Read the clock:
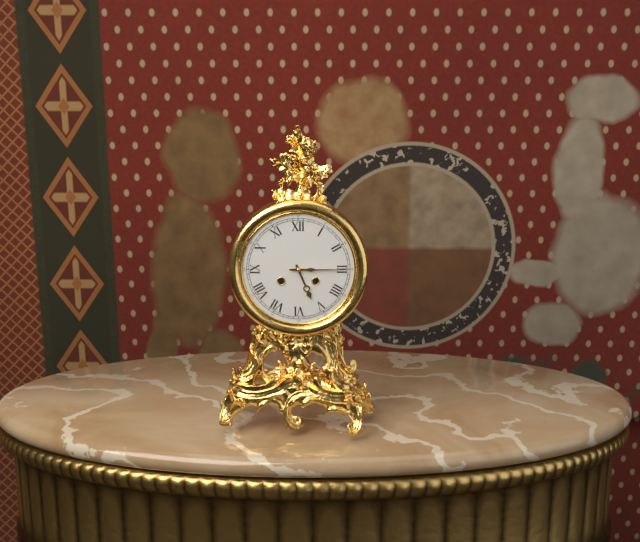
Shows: 5:15
